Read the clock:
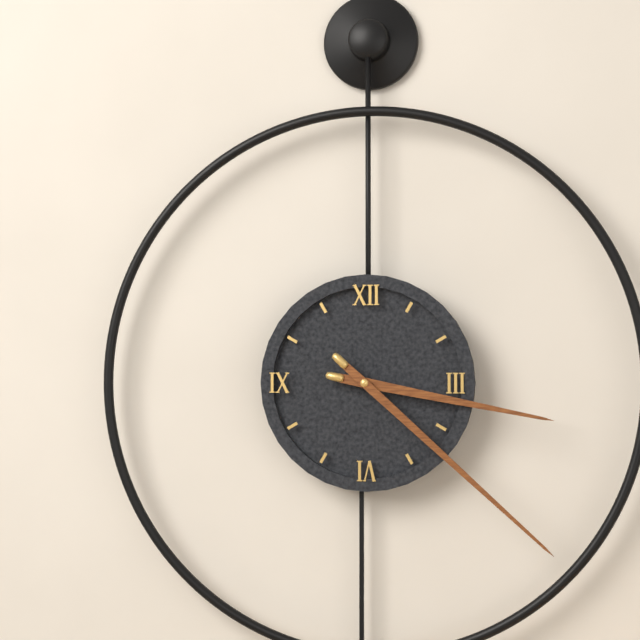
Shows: 3:22
